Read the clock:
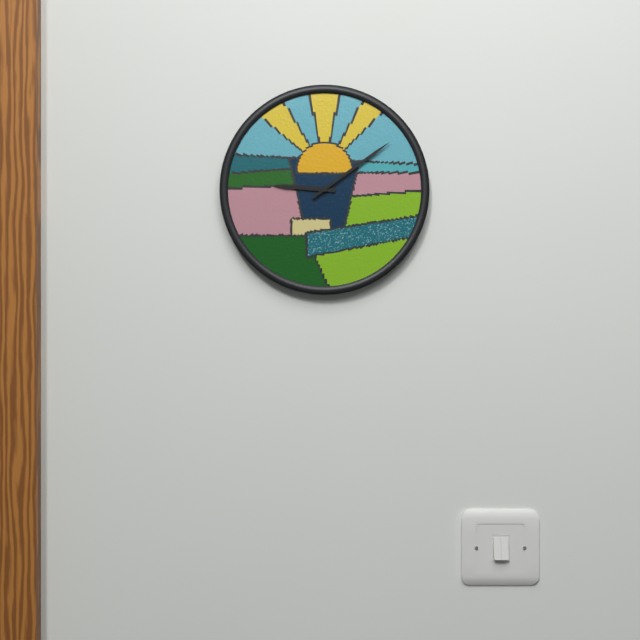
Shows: 9:09
